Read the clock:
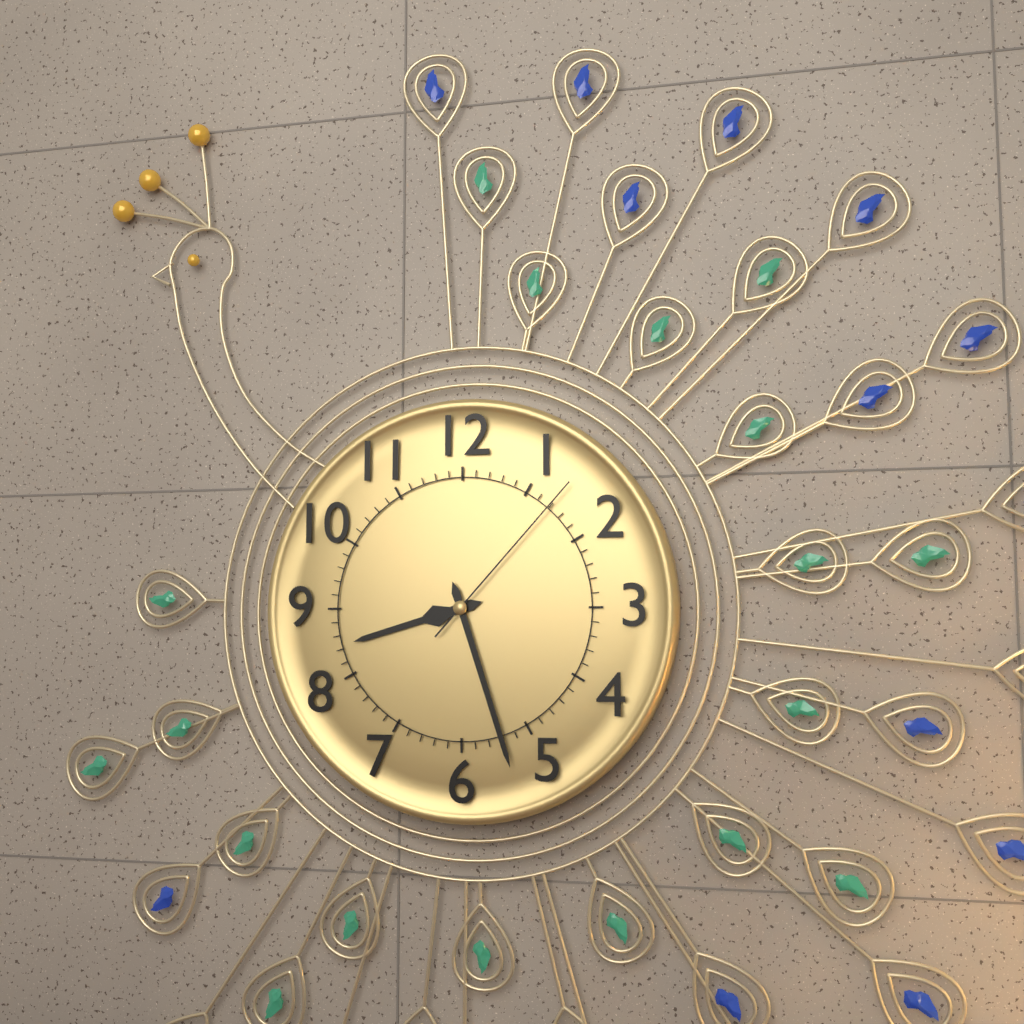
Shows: 8:27:07
